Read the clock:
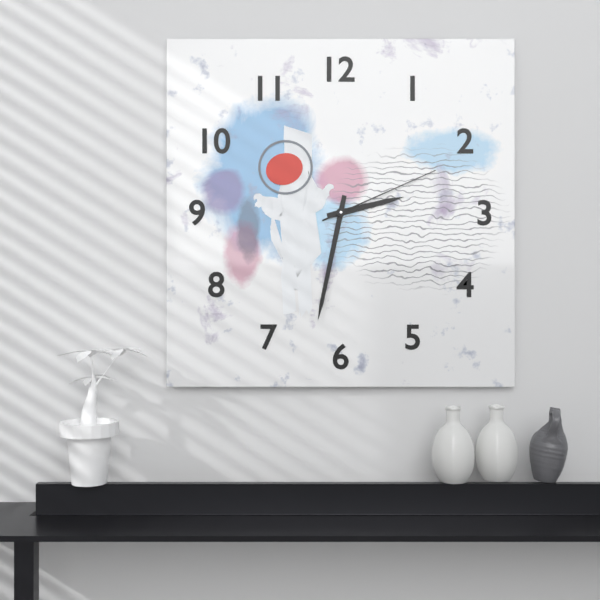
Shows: 2:32:11
